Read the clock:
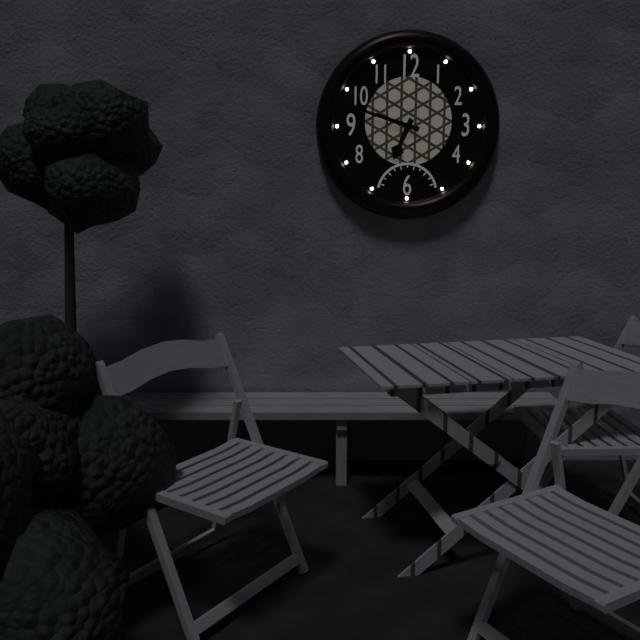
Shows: 6:48
